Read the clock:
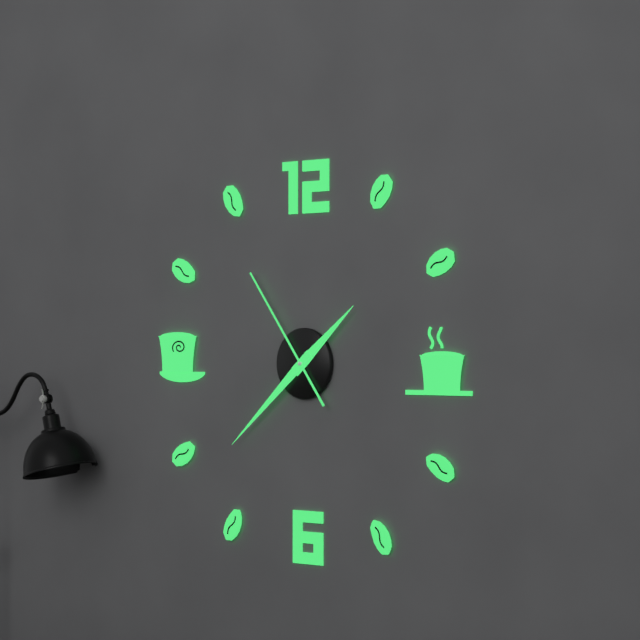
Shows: 1:38:54
